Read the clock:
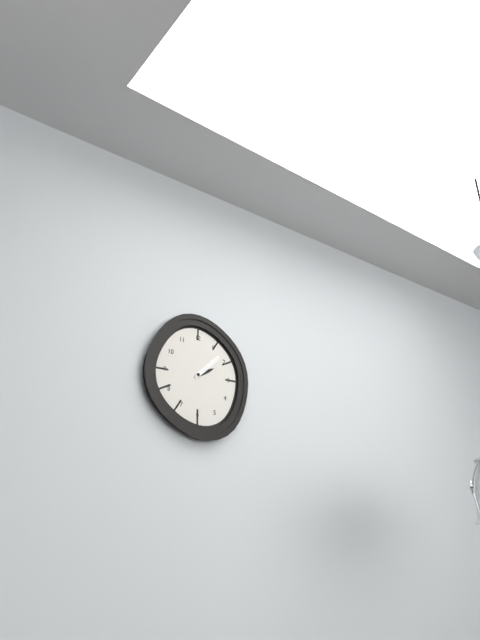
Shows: 2:08
